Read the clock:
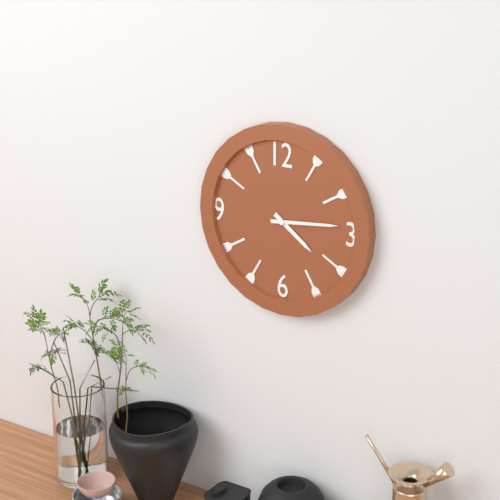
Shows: 4:14
